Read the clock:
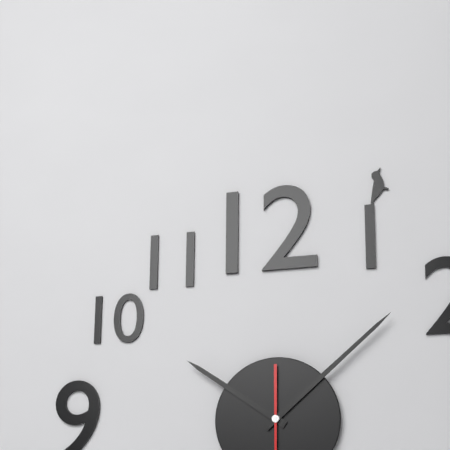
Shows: 10:08
